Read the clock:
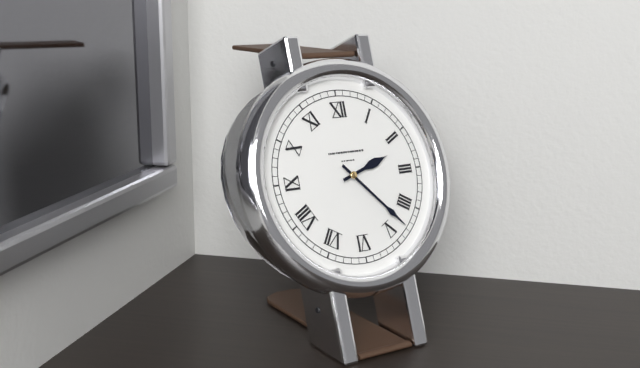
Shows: 2:23
